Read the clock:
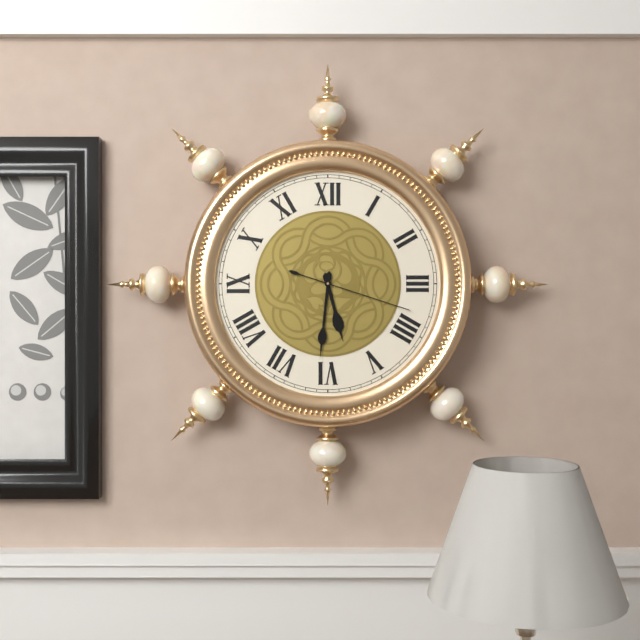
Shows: 5:31:18
